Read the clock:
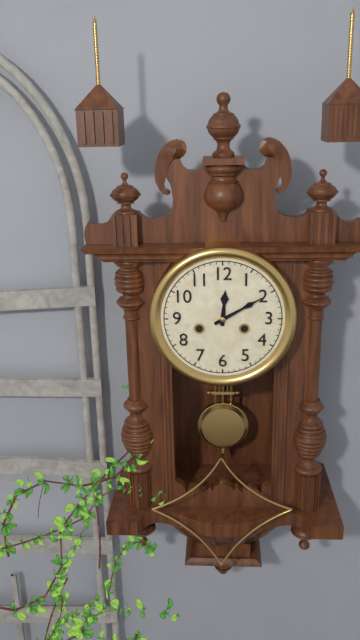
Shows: 12:10
